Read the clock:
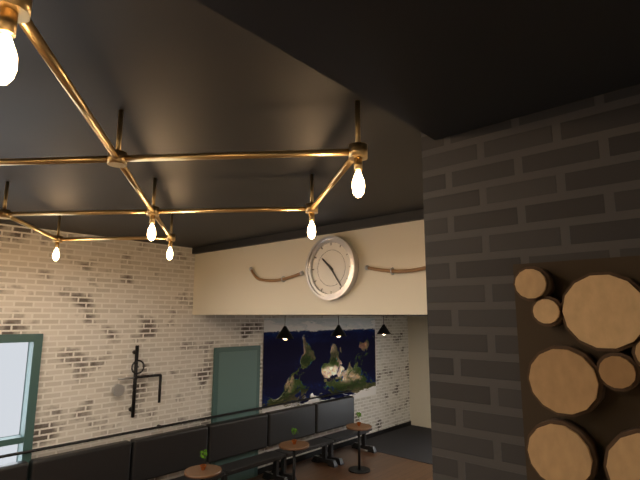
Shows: 10:24
